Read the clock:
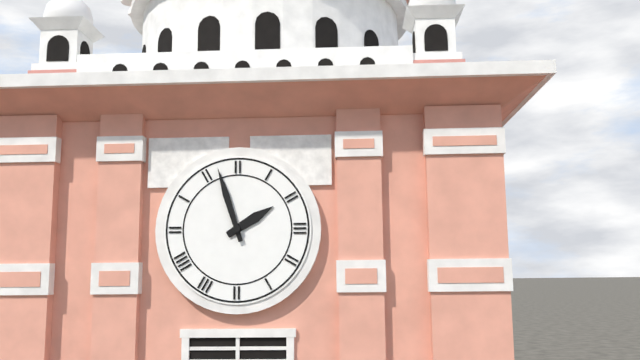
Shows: 1:57
